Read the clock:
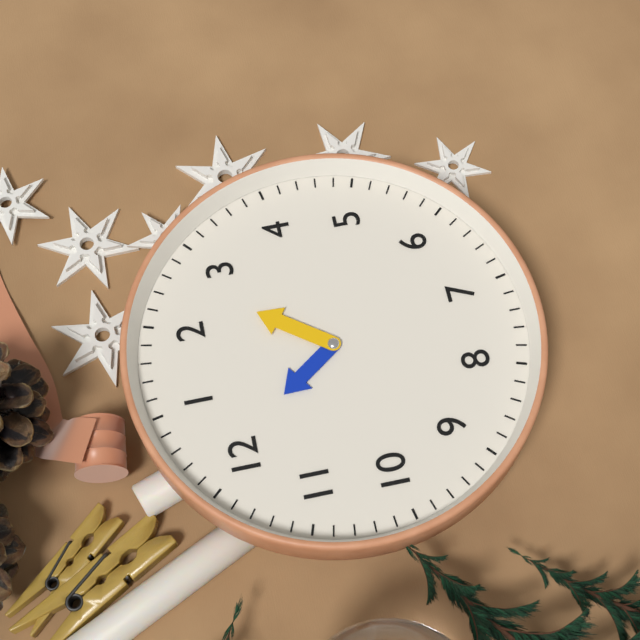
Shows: 12:13
